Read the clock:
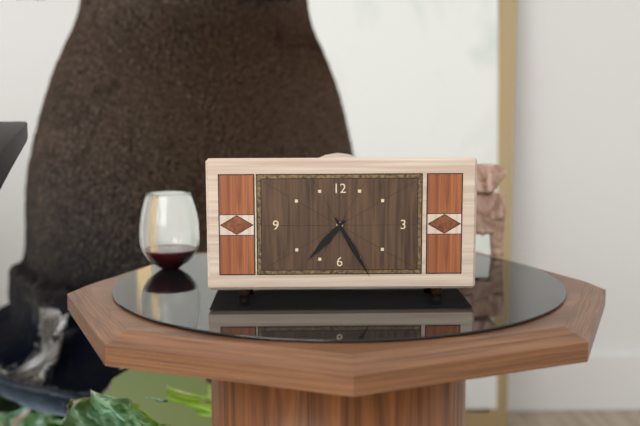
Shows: 7:25
